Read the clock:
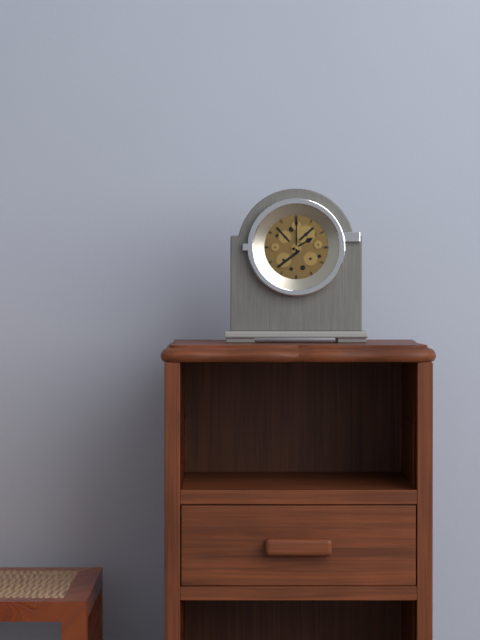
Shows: 2:00
